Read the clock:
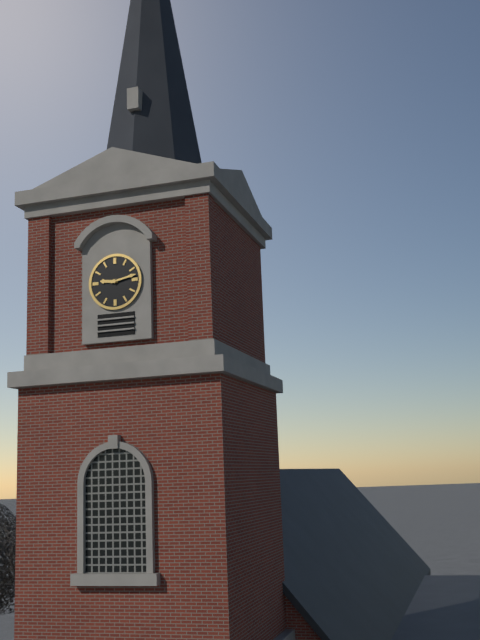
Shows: 9:13
